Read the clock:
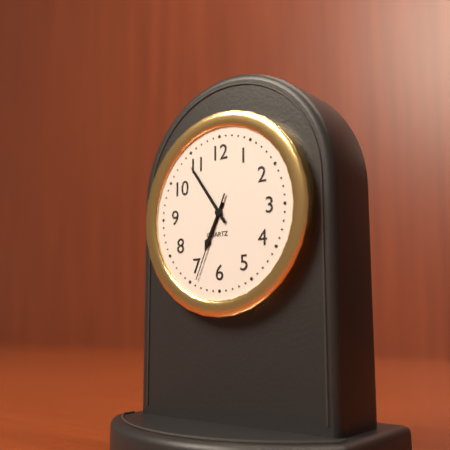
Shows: 6:54:34
